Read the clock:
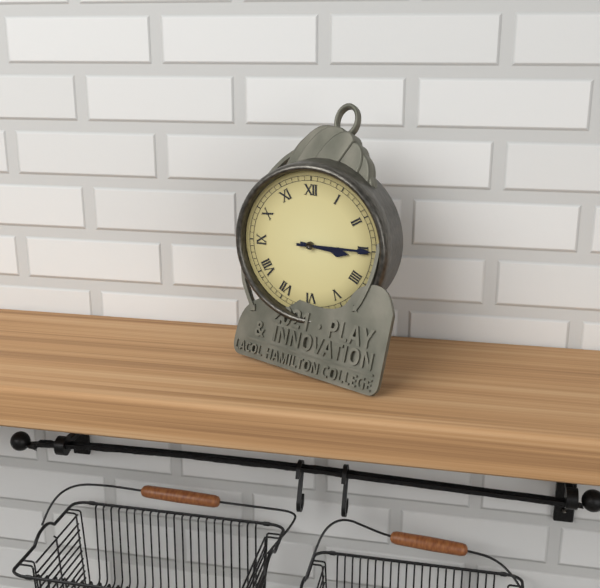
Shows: 3:15
